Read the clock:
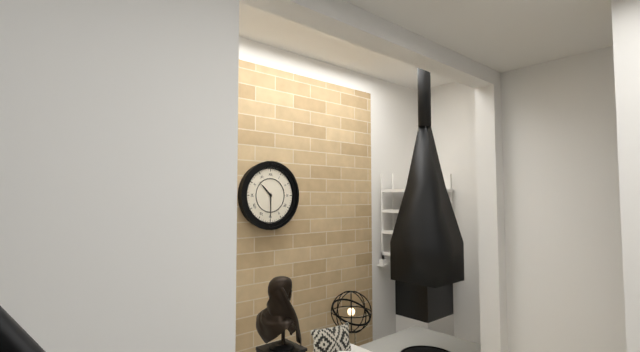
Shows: 10:30
